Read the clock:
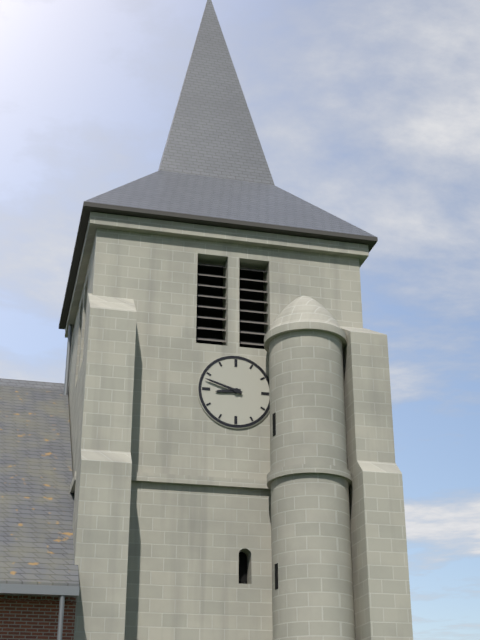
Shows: 8:48
